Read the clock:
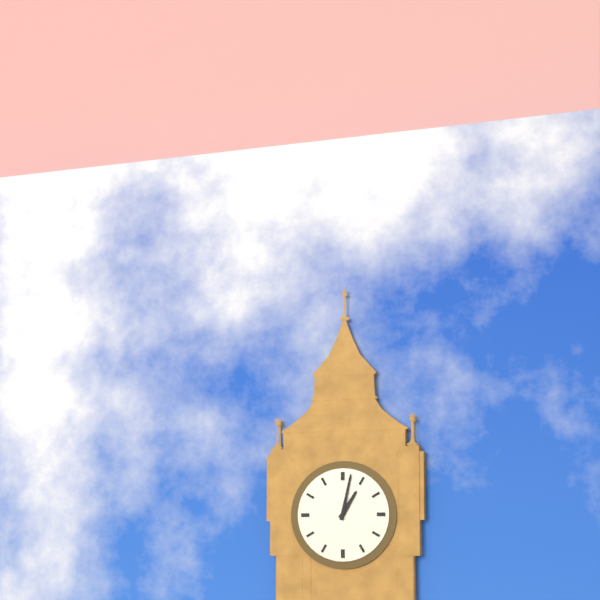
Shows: 1:02
